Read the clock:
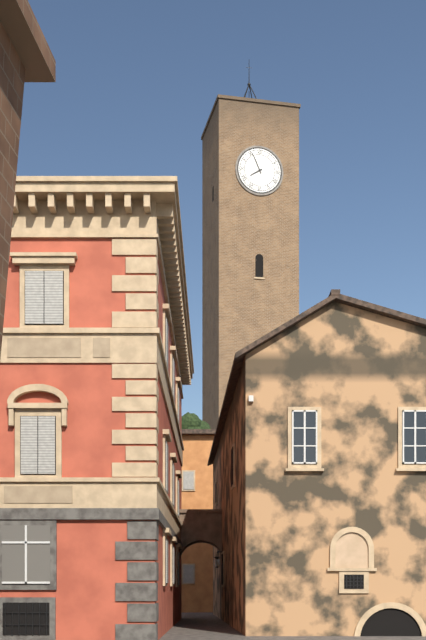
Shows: 7:56
